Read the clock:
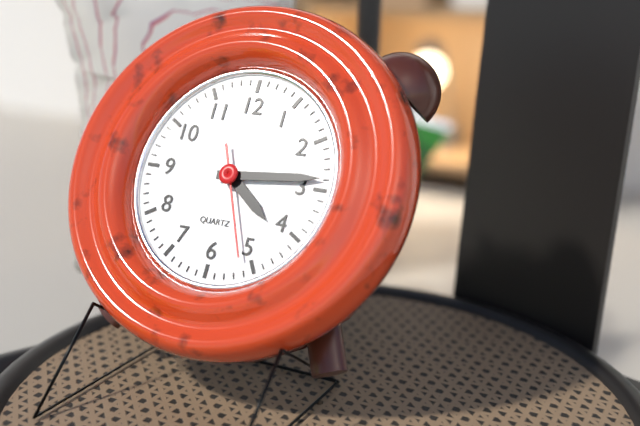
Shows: 4:14:26
